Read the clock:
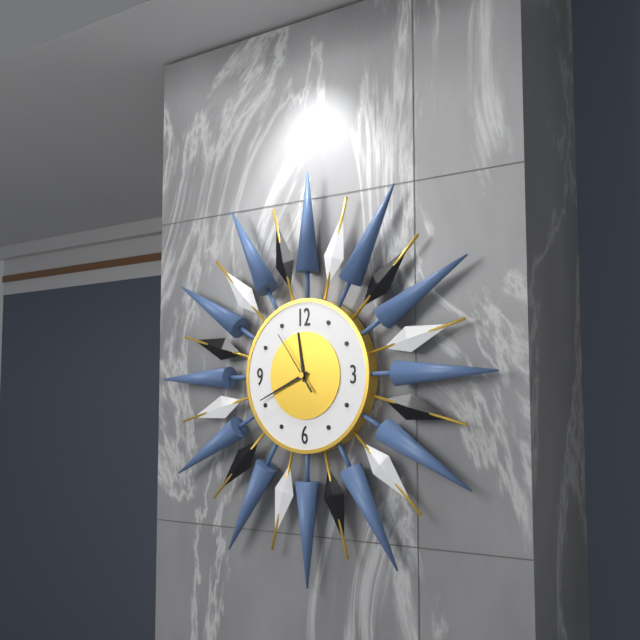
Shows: 11:41:54
